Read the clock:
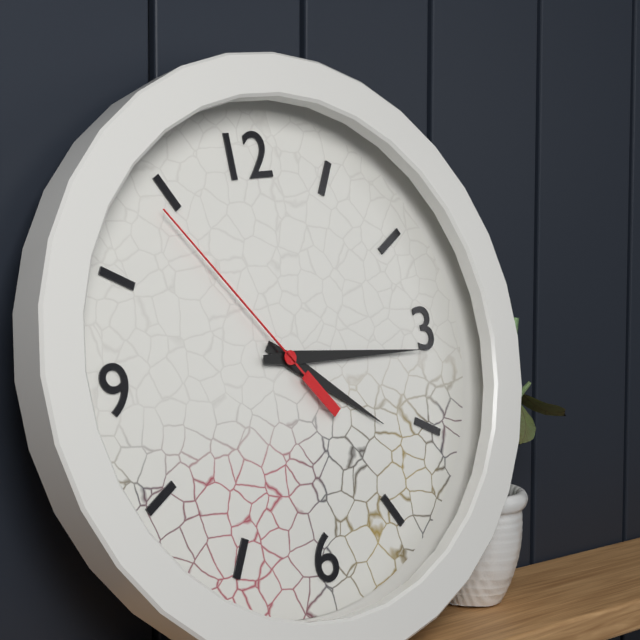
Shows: 4:16:54
